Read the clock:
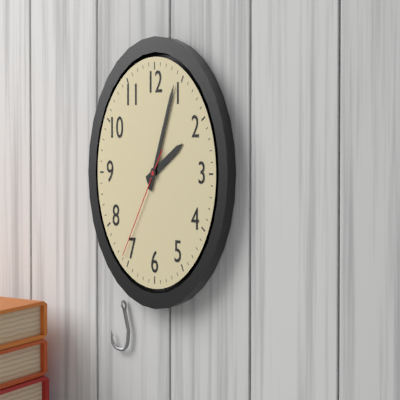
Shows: 2:04:36
